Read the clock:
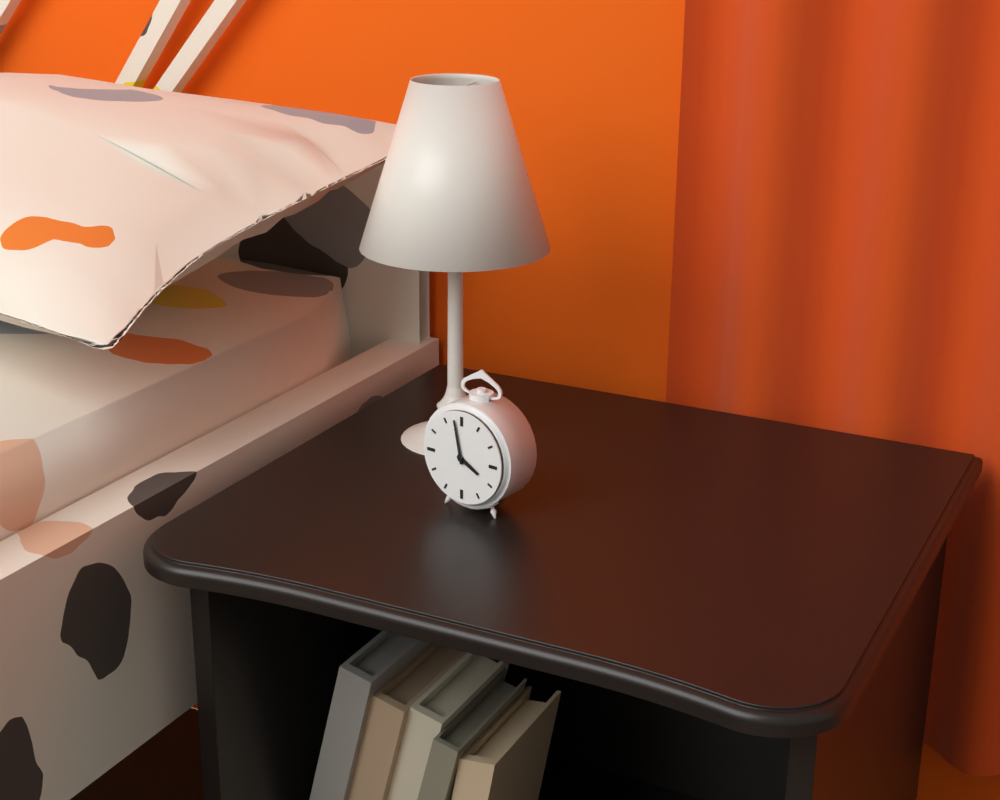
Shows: 3:58
